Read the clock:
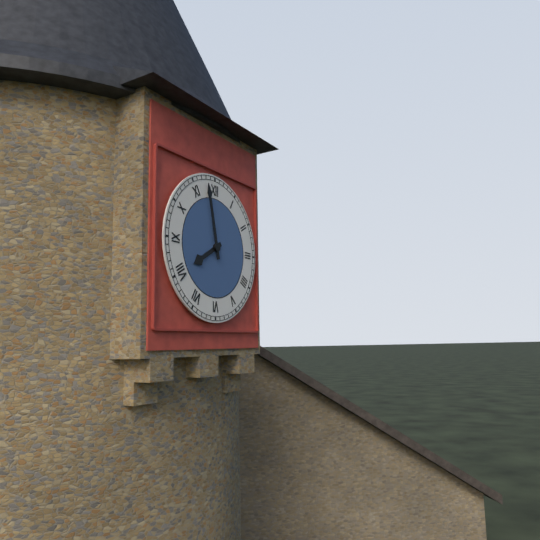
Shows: 7:58
